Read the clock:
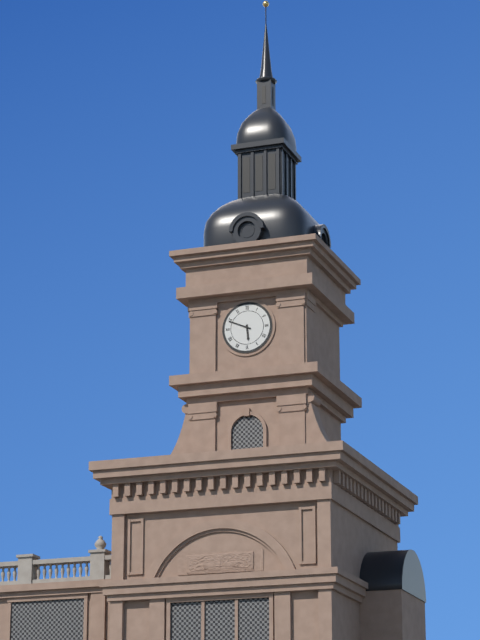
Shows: 5:49
